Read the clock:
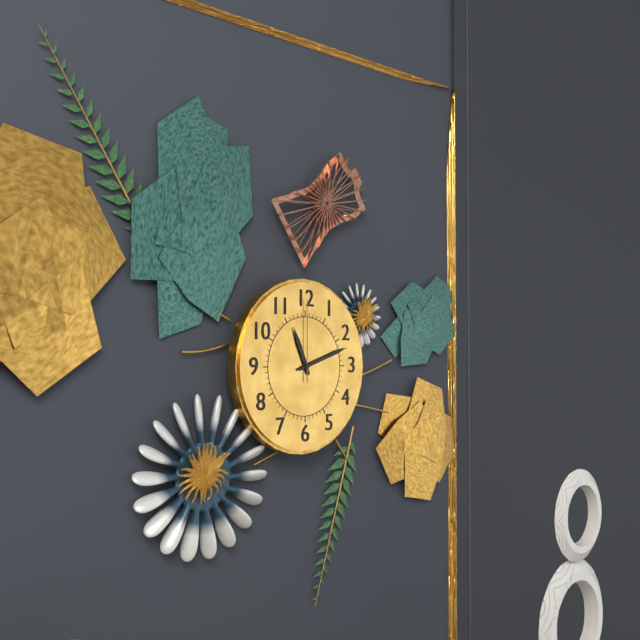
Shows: 11:12:00
